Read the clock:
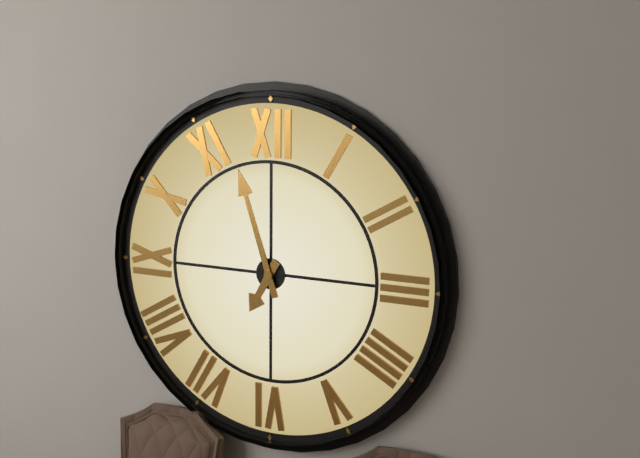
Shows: 6:57
